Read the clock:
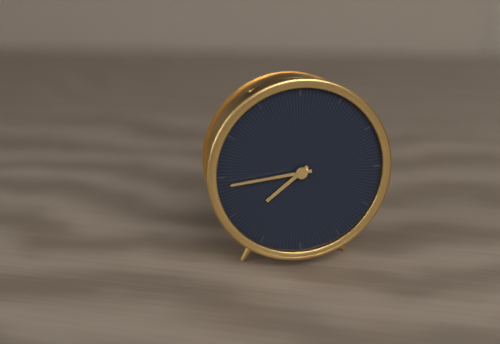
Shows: 7:44
